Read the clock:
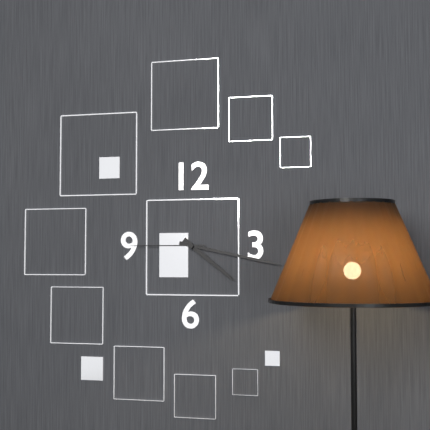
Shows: 4:17:45
